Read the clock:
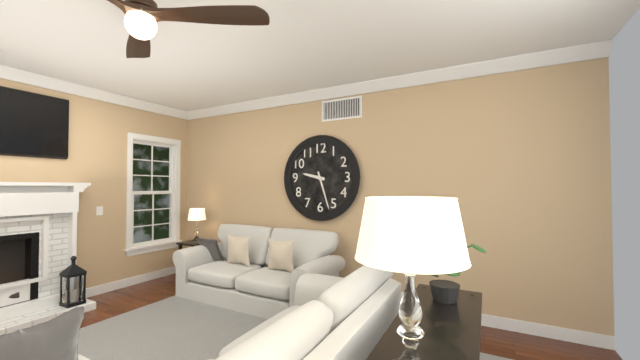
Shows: 9:27
